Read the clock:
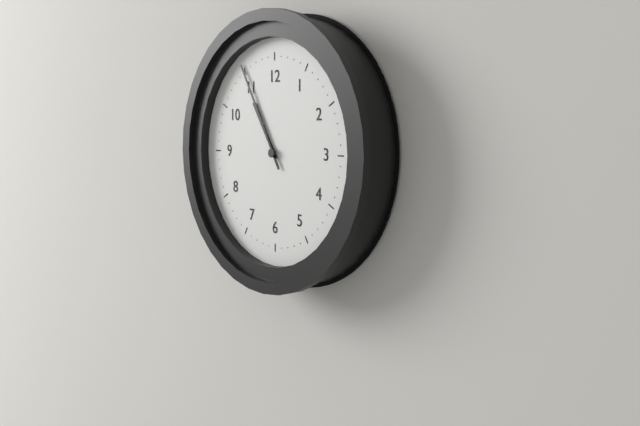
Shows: 10:55
